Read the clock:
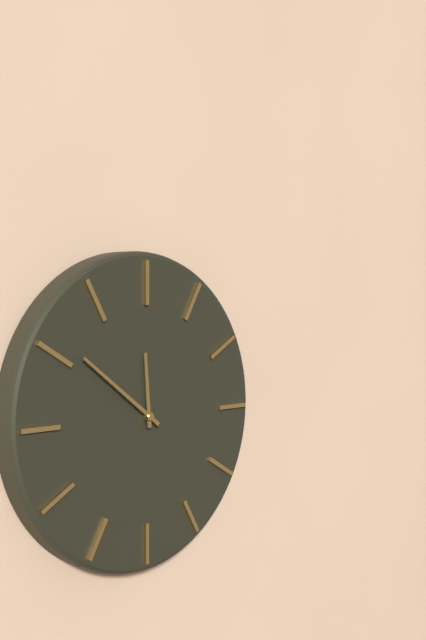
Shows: 11:51
